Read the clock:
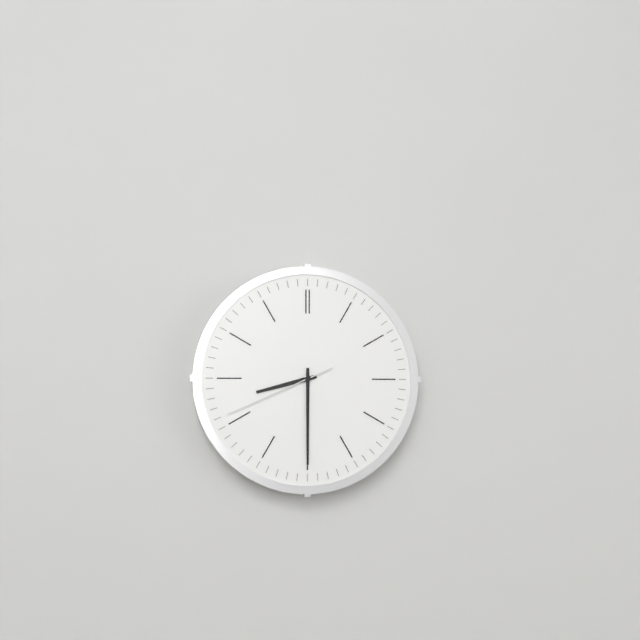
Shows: 8:30:41
